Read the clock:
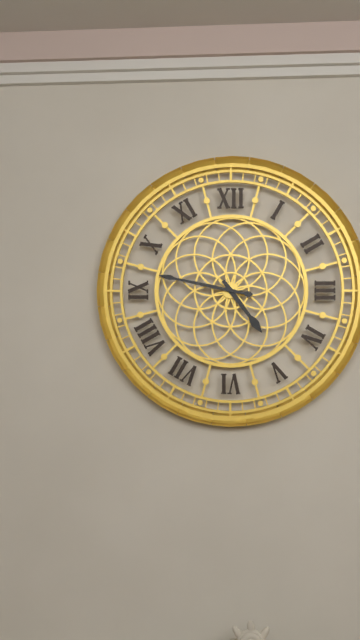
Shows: 4:47
